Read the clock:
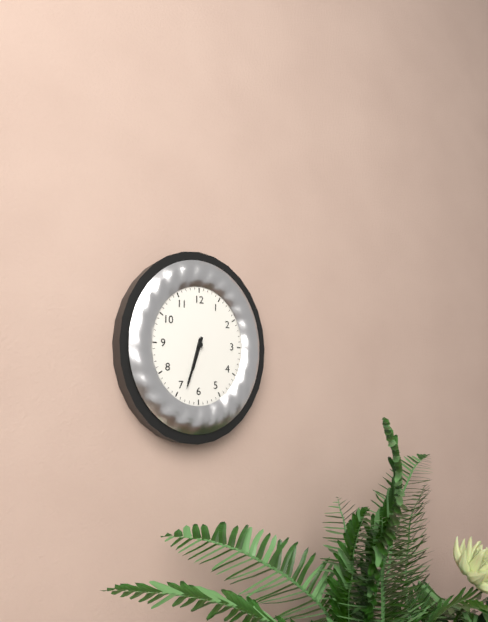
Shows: 6:33
